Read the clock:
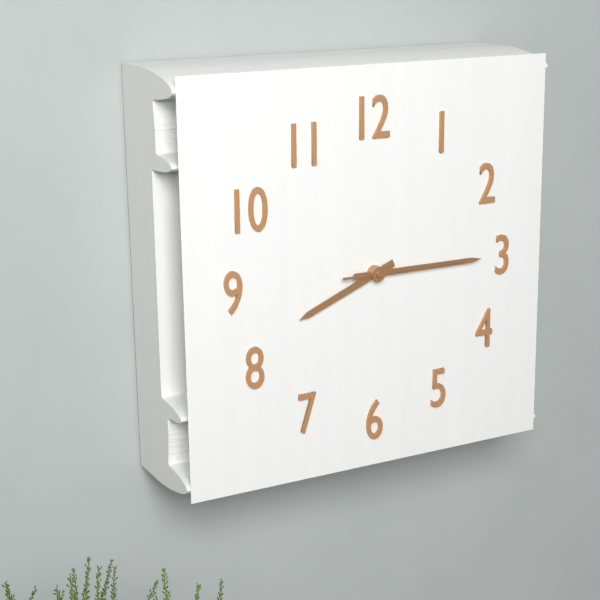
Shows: 8:15:15
